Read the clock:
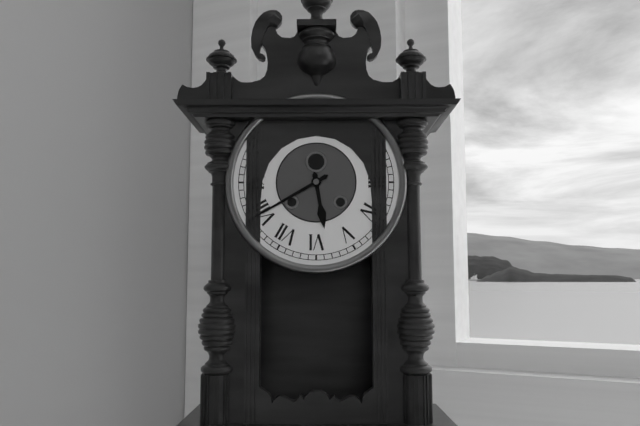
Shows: 5:40
